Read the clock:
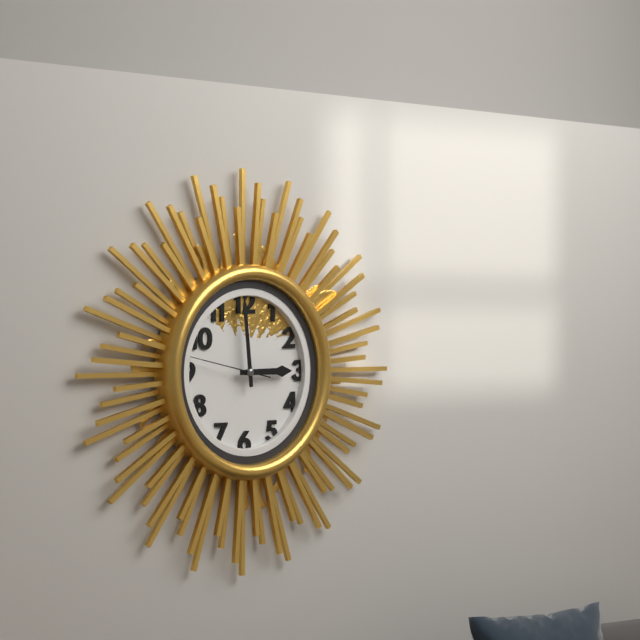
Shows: 2:59:47
